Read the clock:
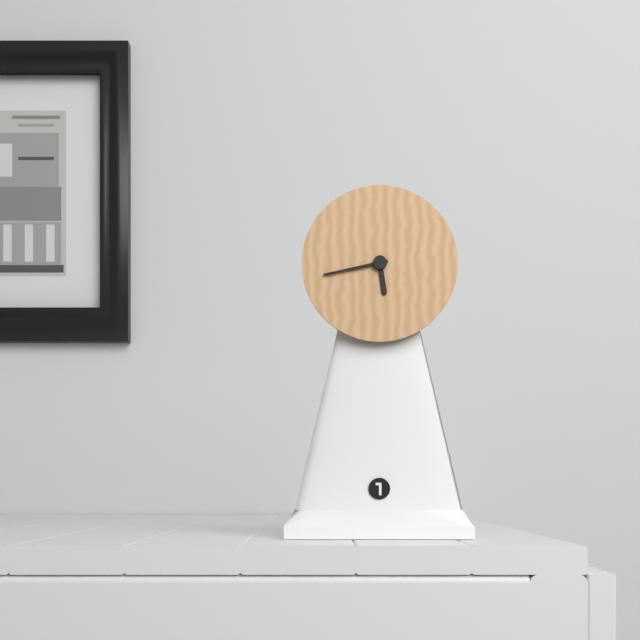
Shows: 5:43
